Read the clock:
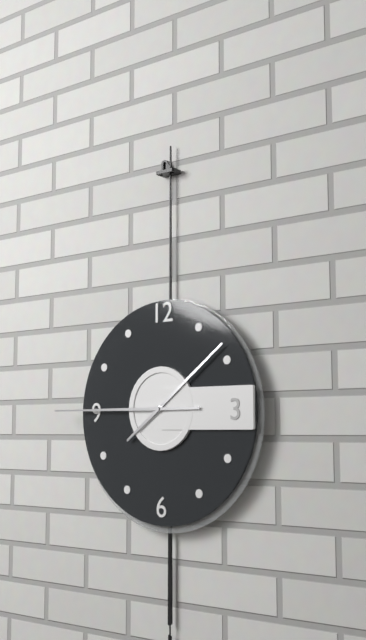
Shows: 1:45
